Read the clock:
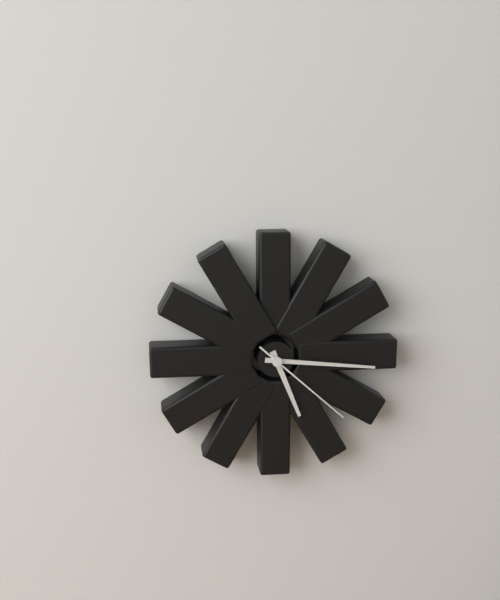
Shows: 5:16:22
